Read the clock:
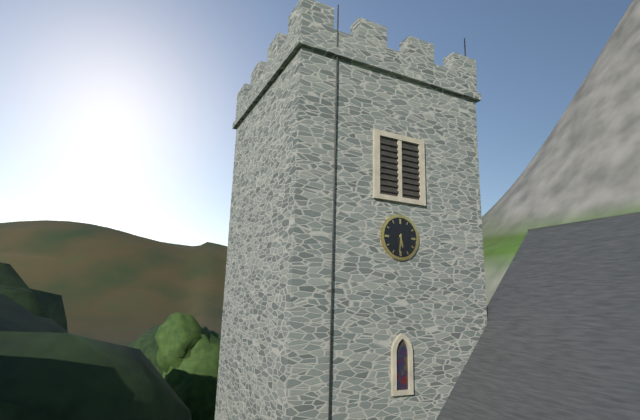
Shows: 5:31
